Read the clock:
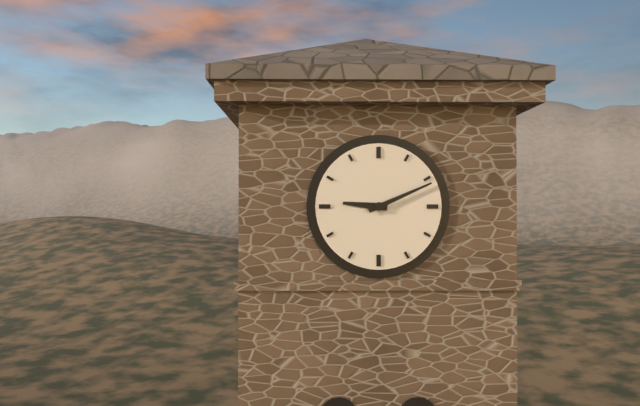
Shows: 9:11
